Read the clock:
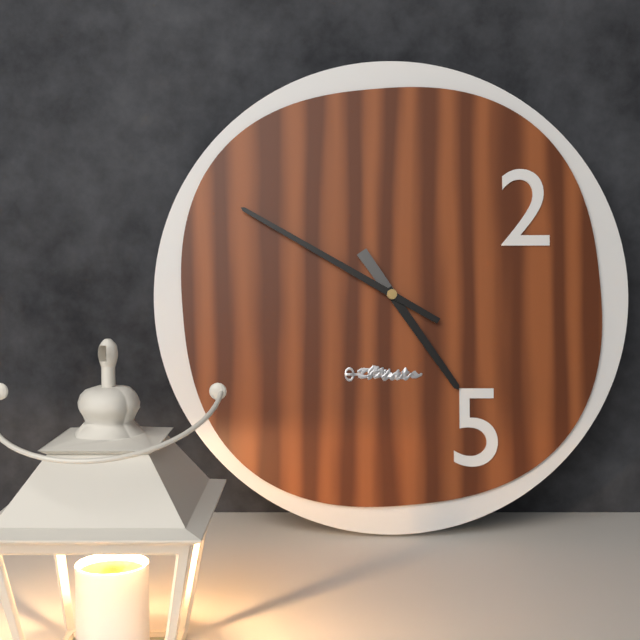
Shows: 4:50
